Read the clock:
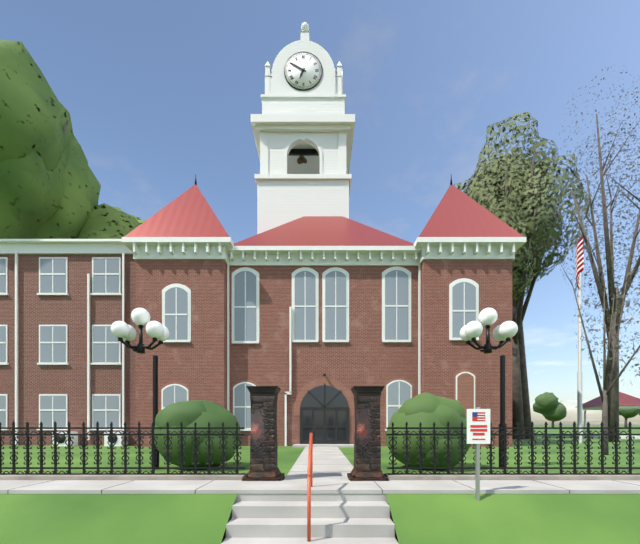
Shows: 6:50
